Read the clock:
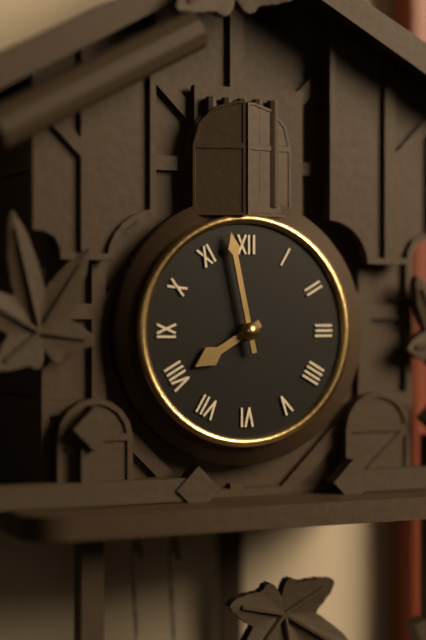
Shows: 7:58
